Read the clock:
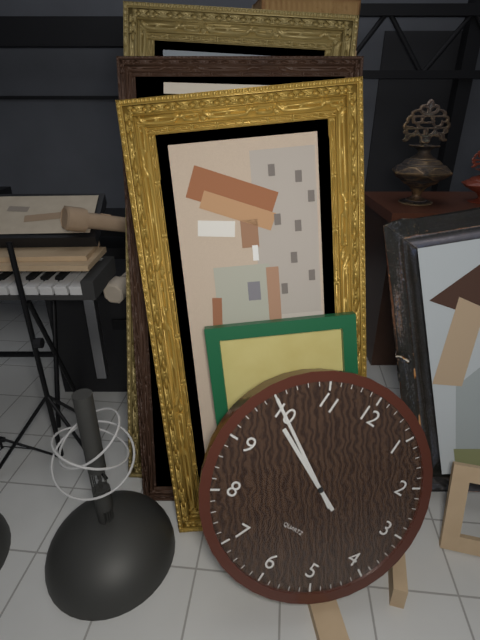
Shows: 9:50
